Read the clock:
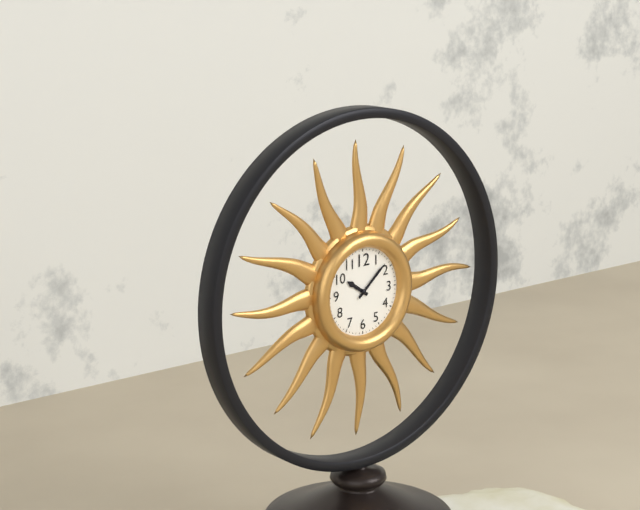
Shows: 10:08
